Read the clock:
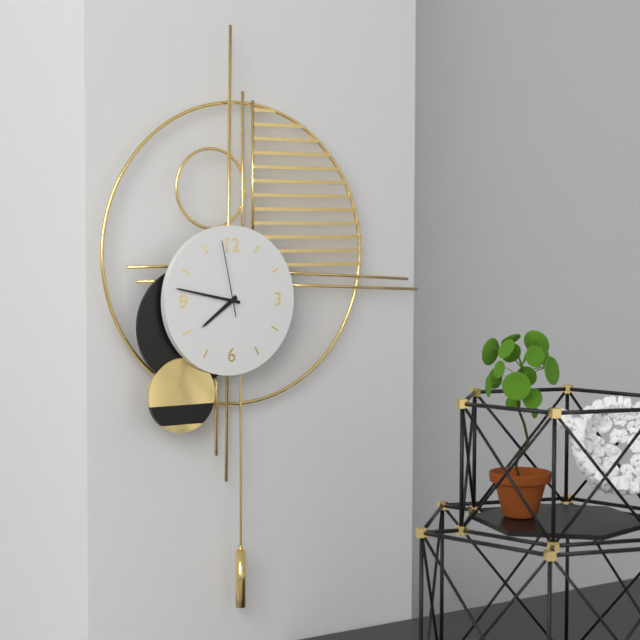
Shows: 7:47:58
